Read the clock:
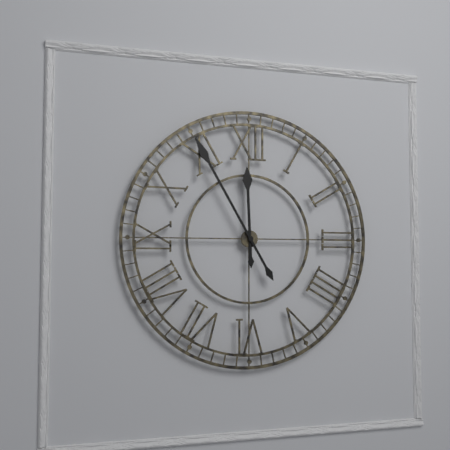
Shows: 11:55
